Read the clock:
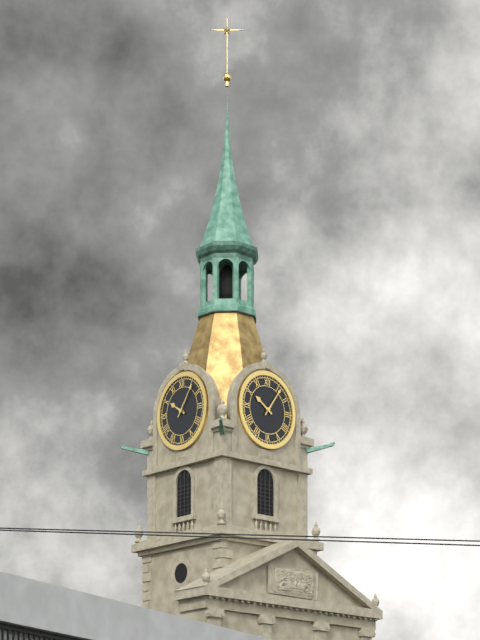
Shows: 10:06
